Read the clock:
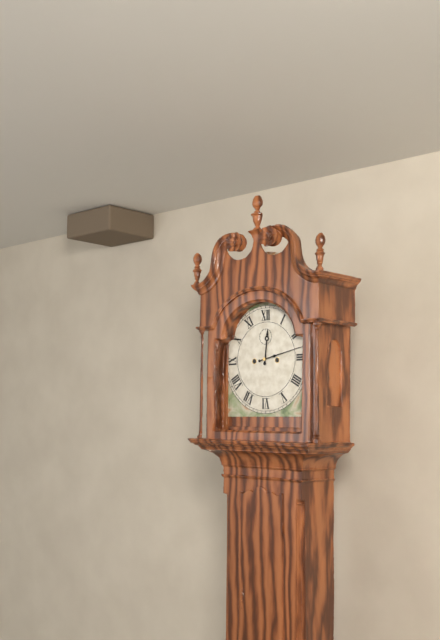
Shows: 12:13
